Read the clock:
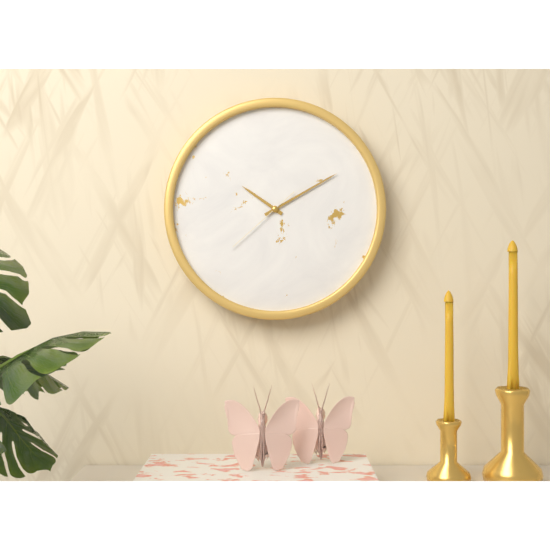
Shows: 10:10:38
